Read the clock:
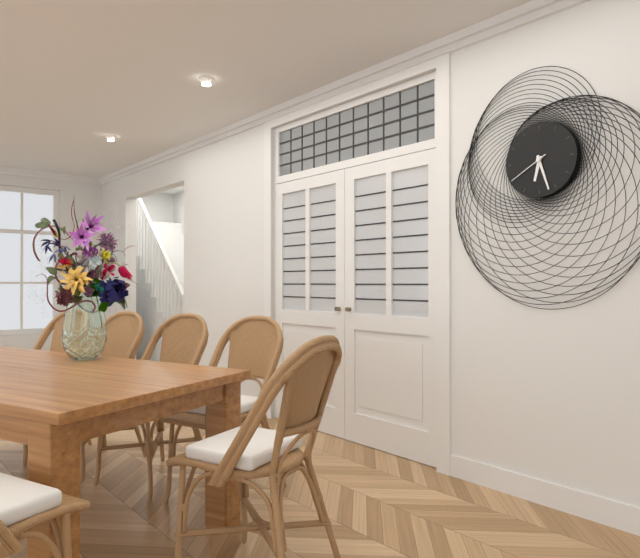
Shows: 6:27
